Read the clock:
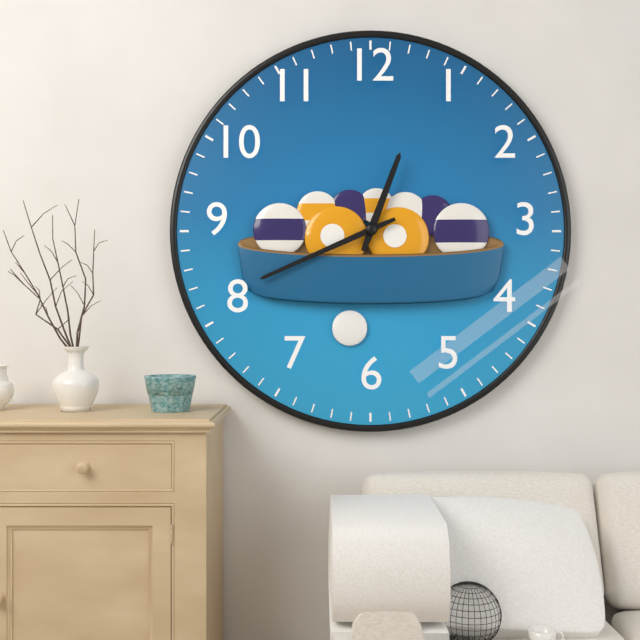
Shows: 12:41
